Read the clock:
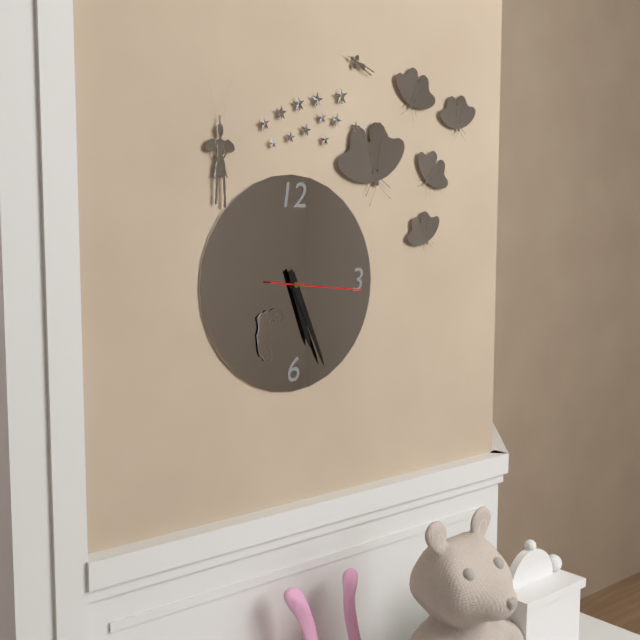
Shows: 5:26:16
